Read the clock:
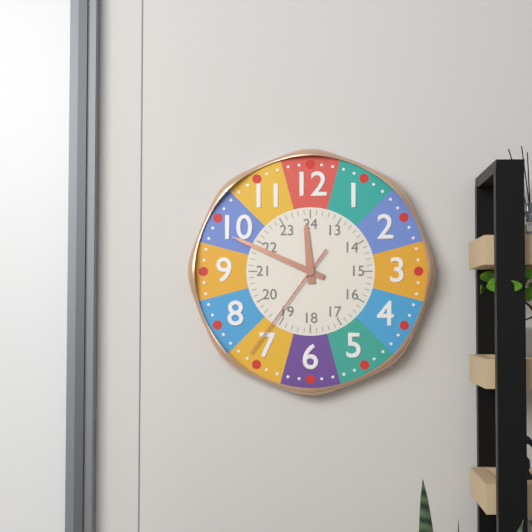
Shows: 11:49:36
